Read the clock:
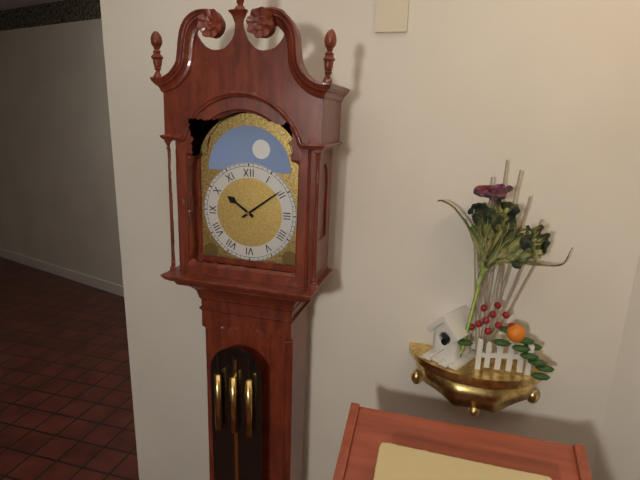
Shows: 10:09
